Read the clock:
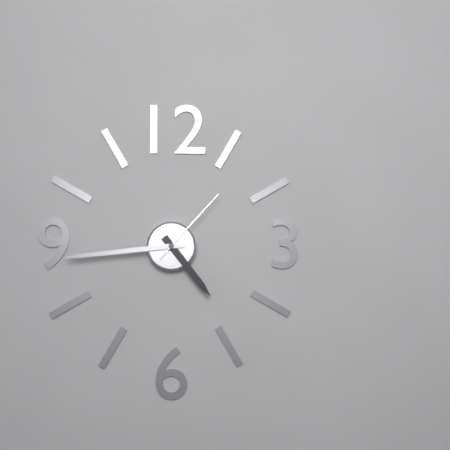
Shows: 4:44:07
